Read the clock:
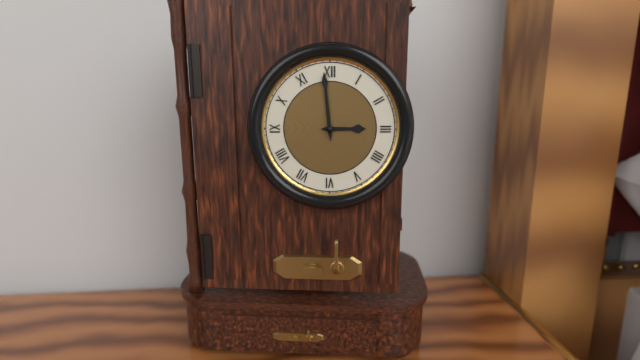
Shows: 2:59
